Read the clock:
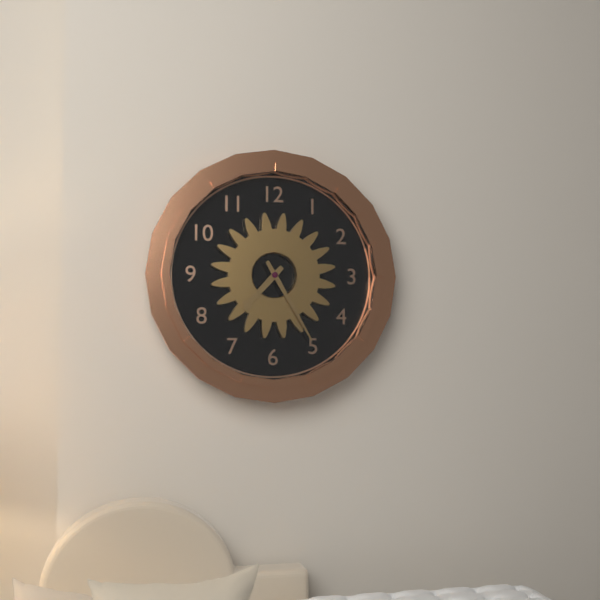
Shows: 7:25
